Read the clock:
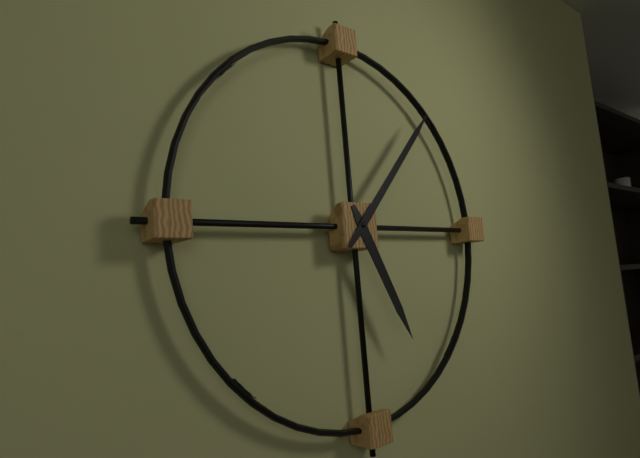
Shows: 5:07
